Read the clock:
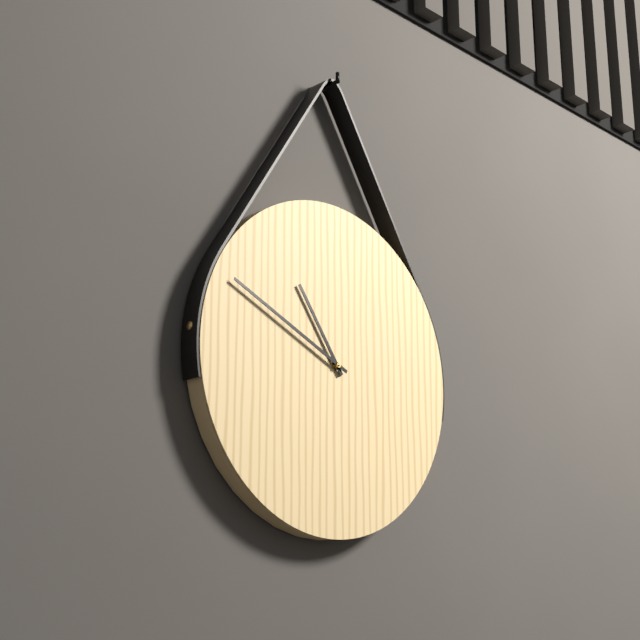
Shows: 10:49
